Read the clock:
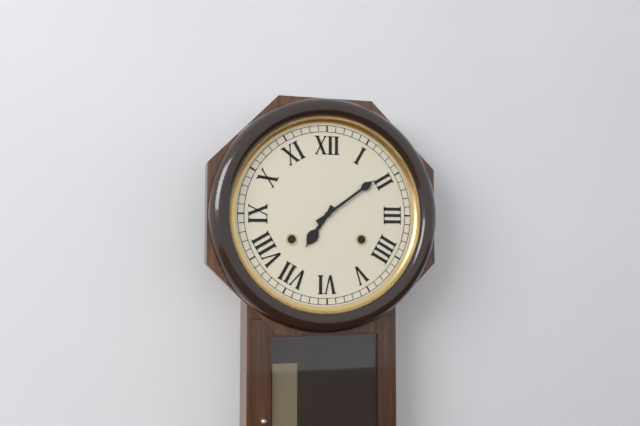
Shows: 7:09
